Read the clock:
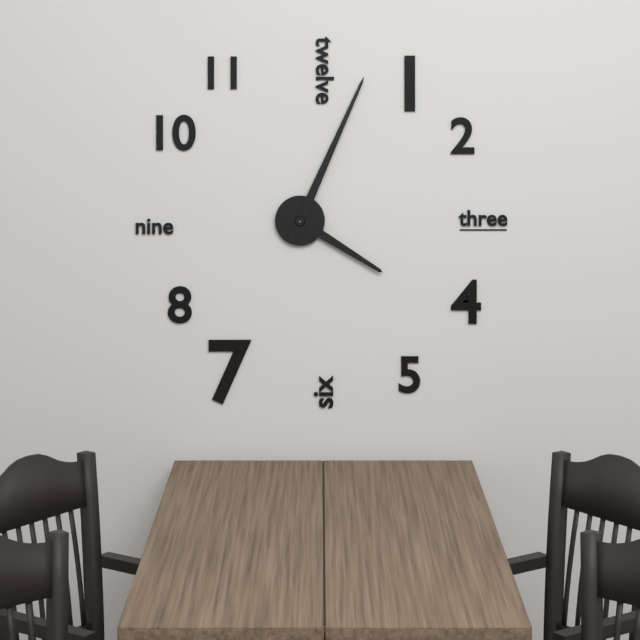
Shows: 4:04
